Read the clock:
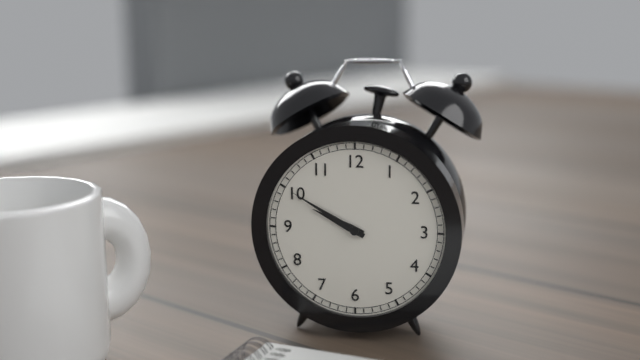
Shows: 9:50
